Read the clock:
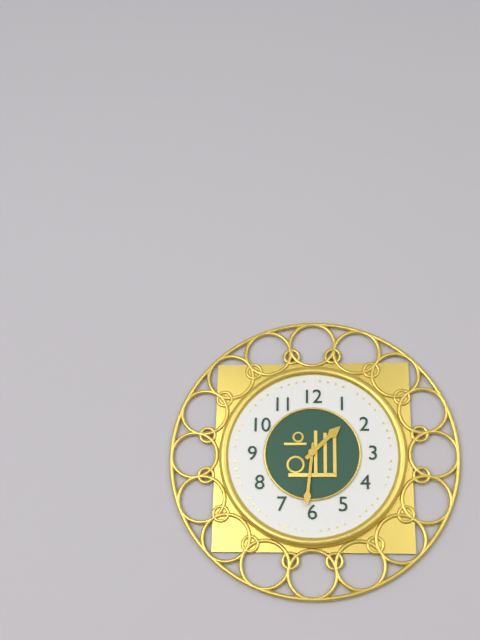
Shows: 1:31
